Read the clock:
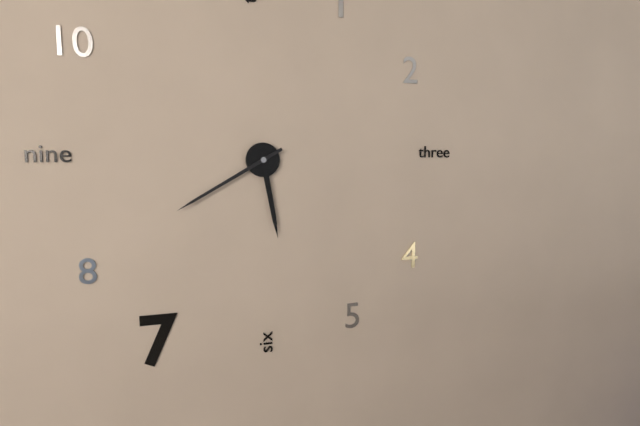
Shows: 5:40
